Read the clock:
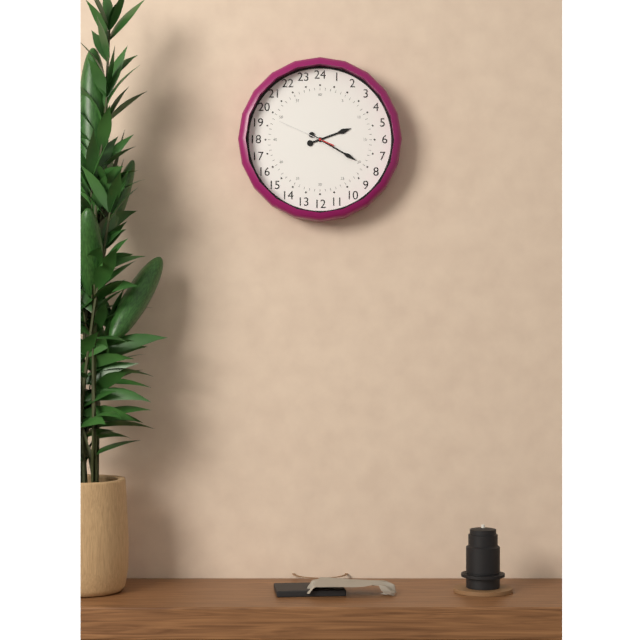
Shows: 2:20:49
